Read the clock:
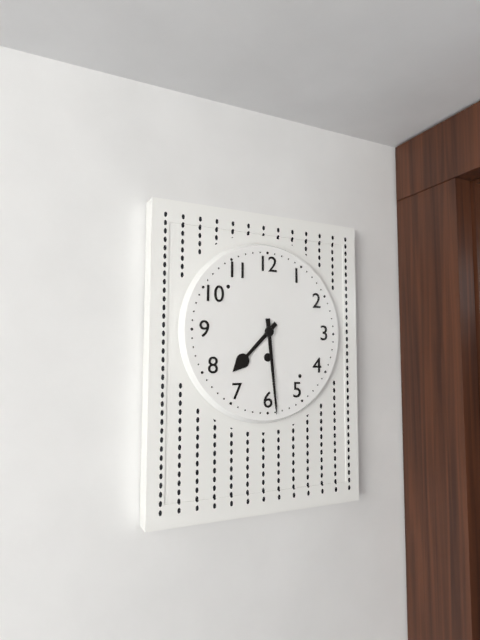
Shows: 7:29
